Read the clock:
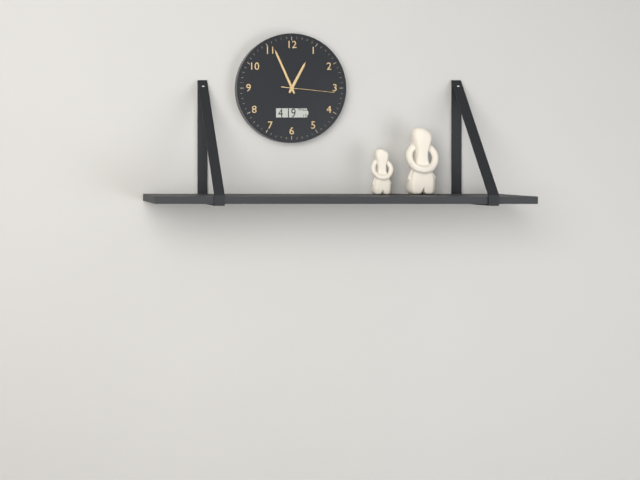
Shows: 12:56:16
